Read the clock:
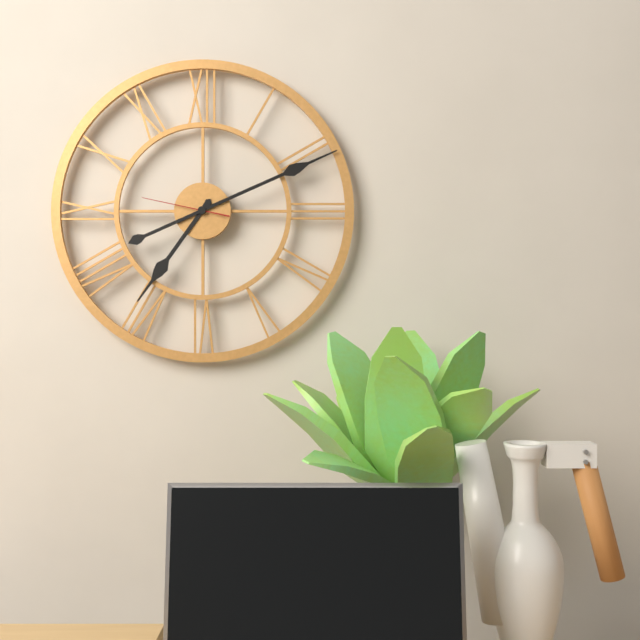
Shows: 7:11:47
